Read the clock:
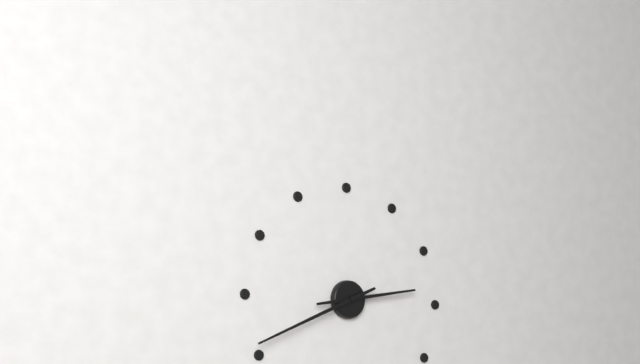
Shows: 2:41
